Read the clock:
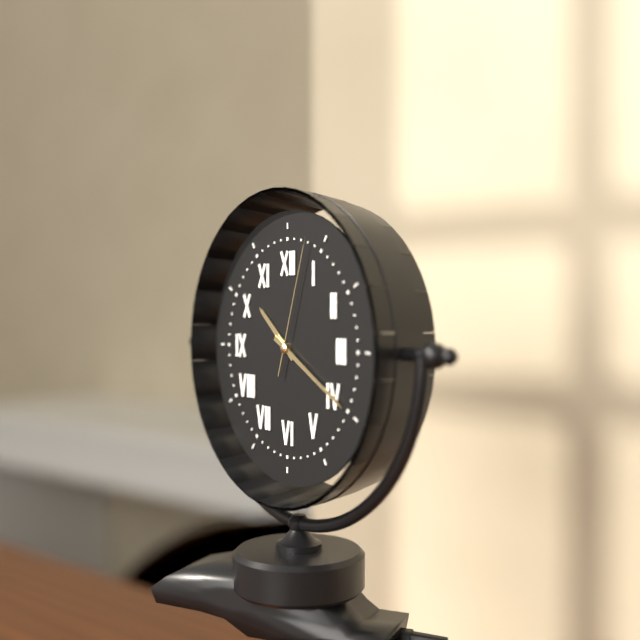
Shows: 10:20:03
